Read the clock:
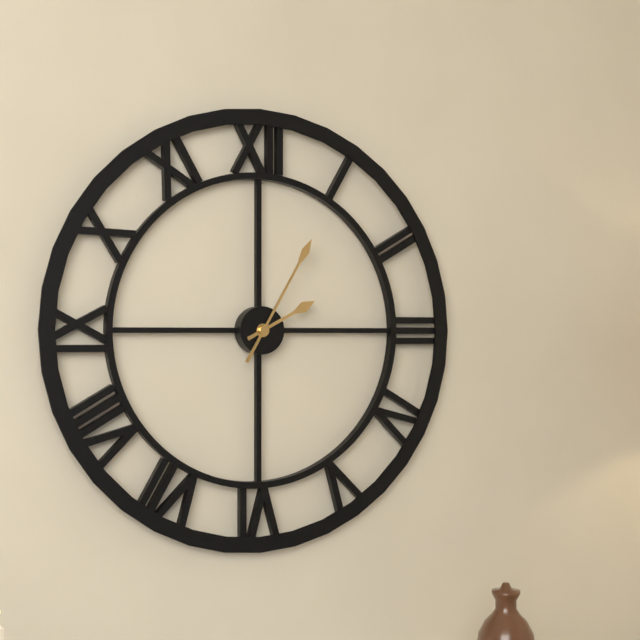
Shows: 2:05
